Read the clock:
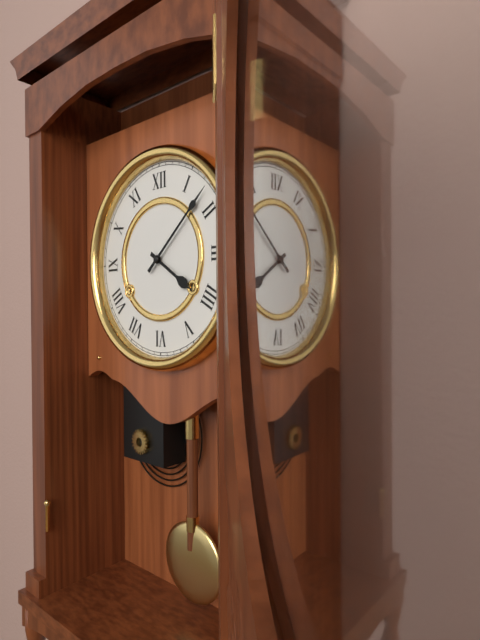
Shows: 4:08
